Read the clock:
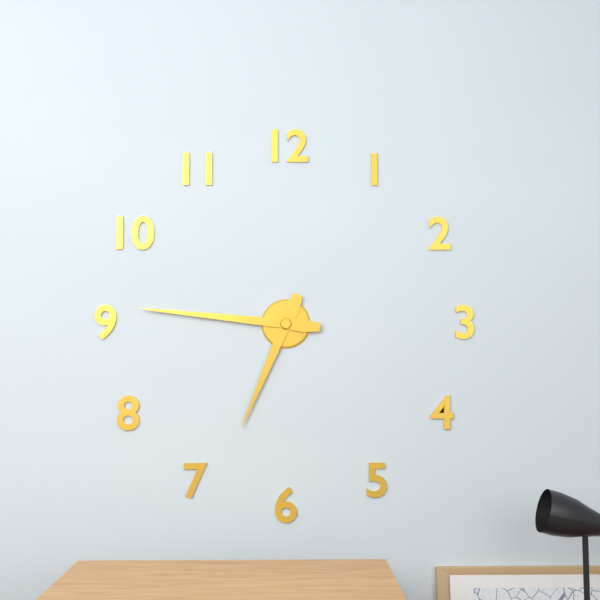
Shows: 6:46
